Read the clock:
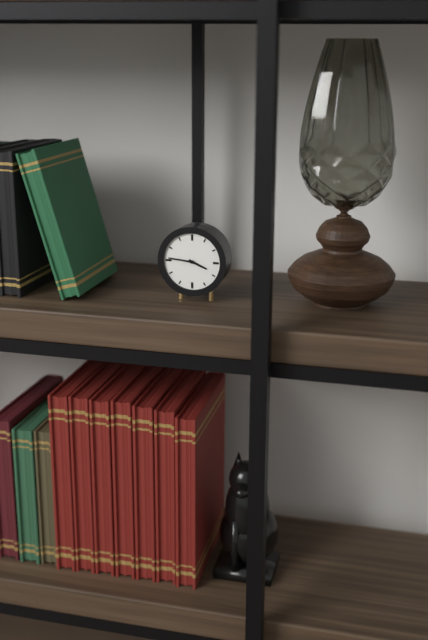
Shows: 3:46
